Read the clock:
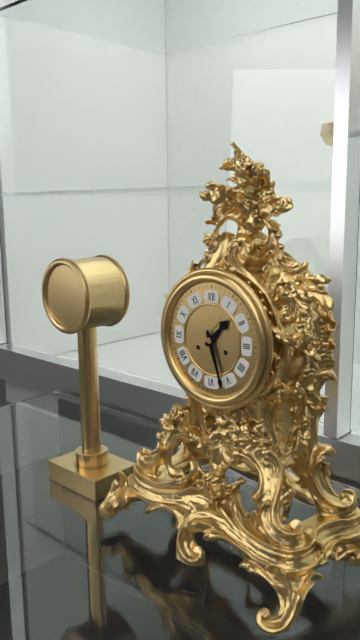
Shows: 1:27
